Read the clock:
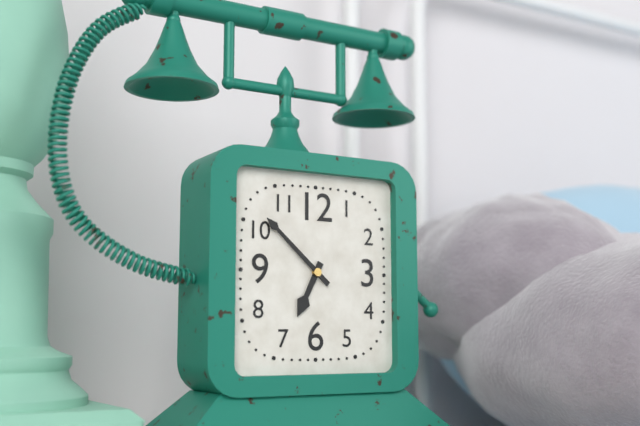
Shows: 6:52
